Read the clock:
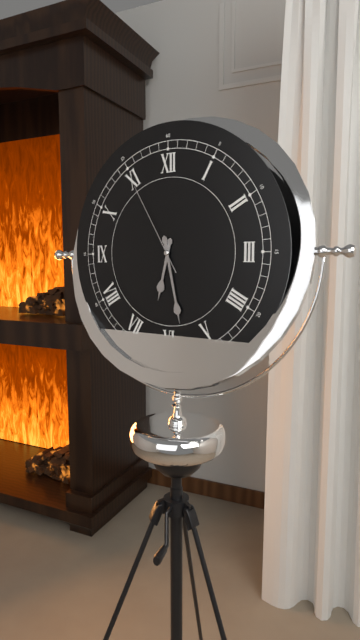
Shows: 6:28:55
